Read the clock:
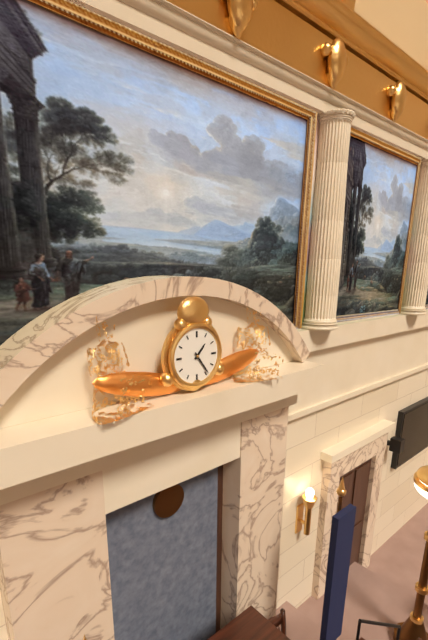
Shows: 1:24
